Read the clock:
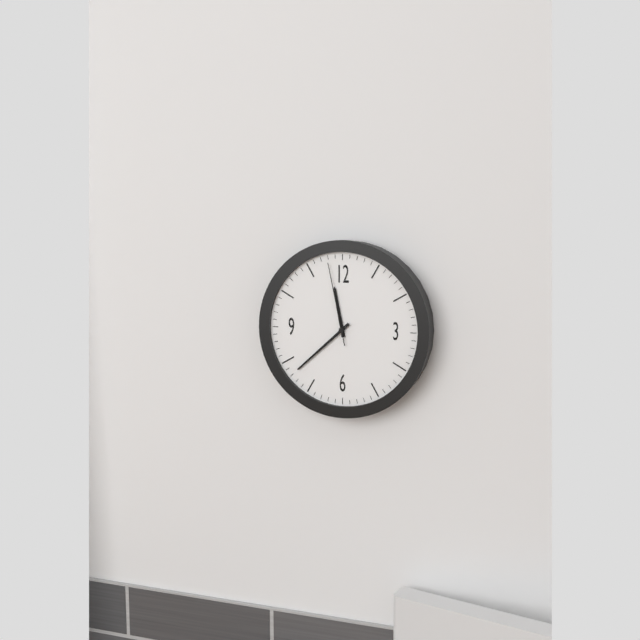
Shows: 11:38:58
